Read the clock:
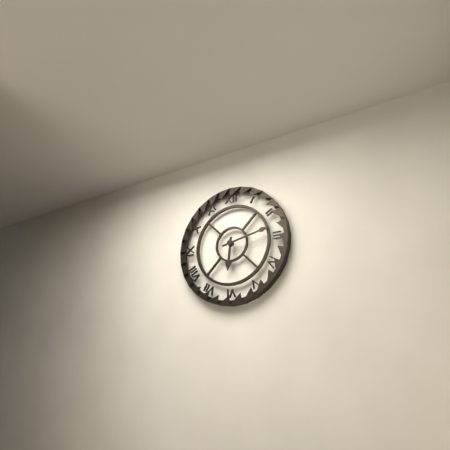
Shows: 6:13
